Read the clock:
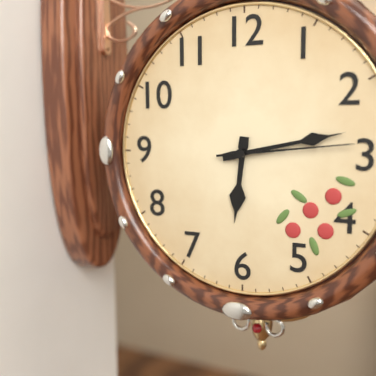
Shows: 6:13:14
